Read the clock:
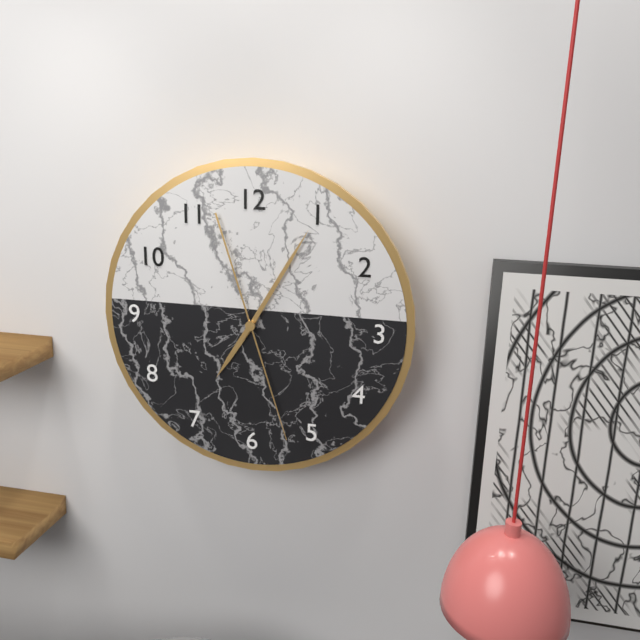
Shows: 7:05:27
